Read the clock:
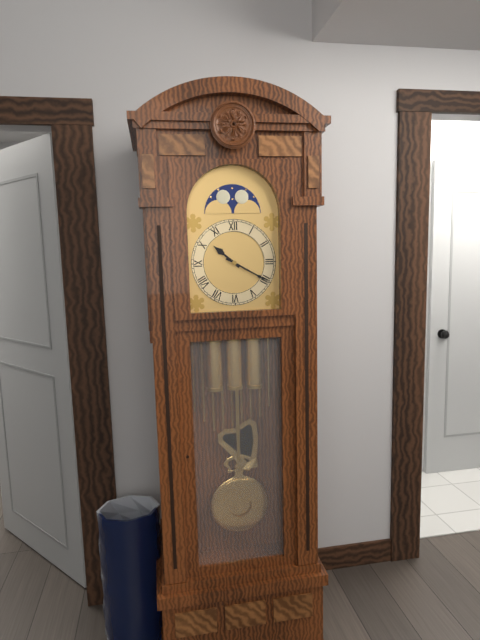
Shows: 10:20
